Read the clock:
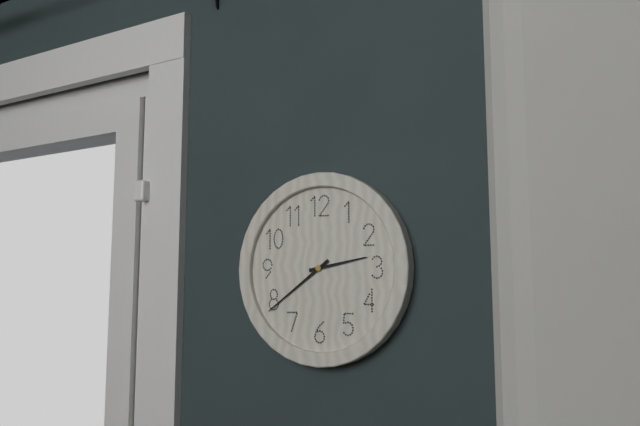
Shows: 2:39
